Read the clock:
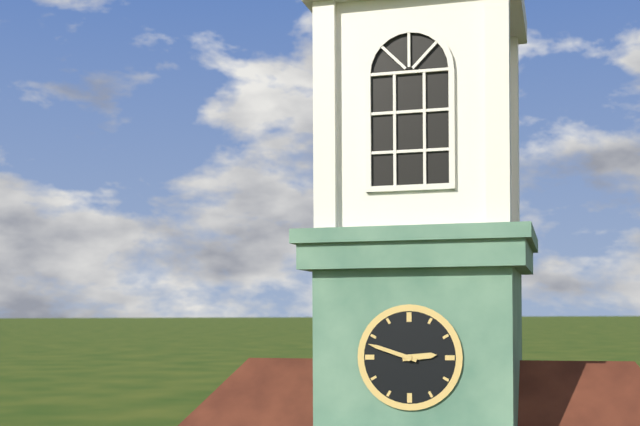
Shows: 2:48
